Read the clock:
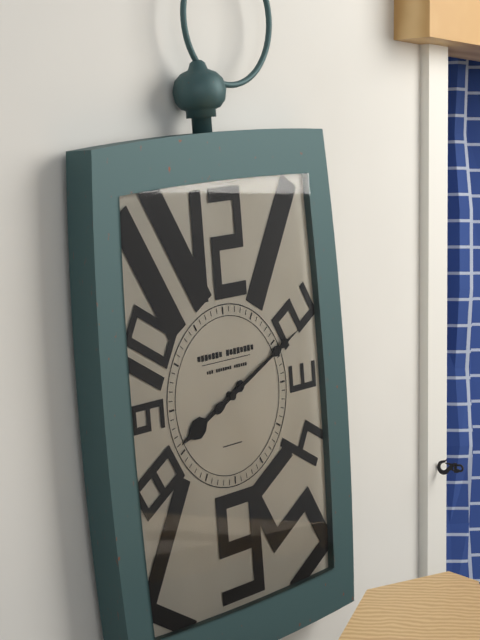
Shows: 8:11
